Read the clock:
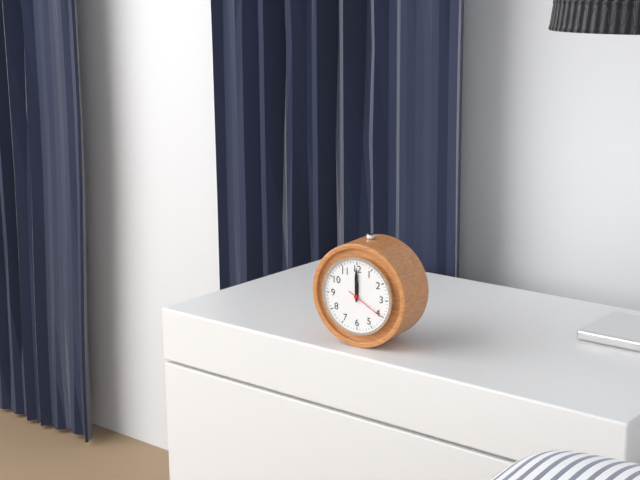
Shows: 12:00
